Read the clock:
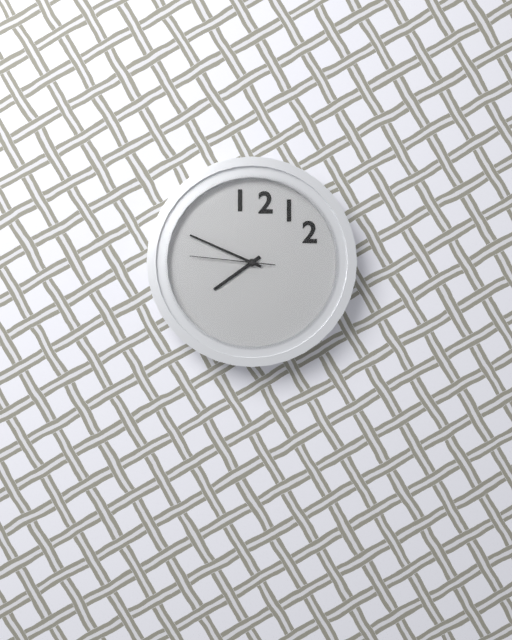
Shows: 7:49:46
